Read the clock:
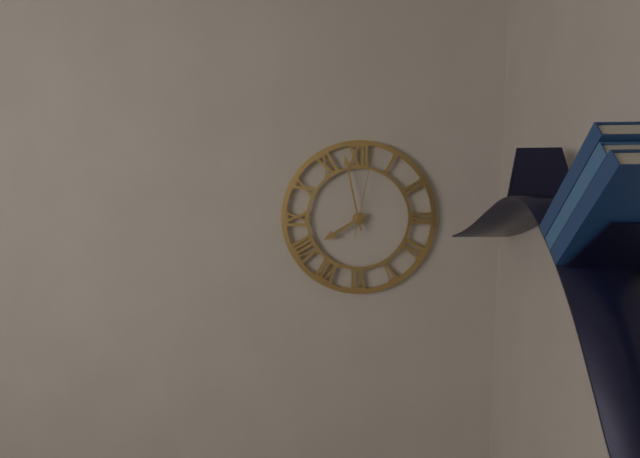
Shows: 7:58:02
